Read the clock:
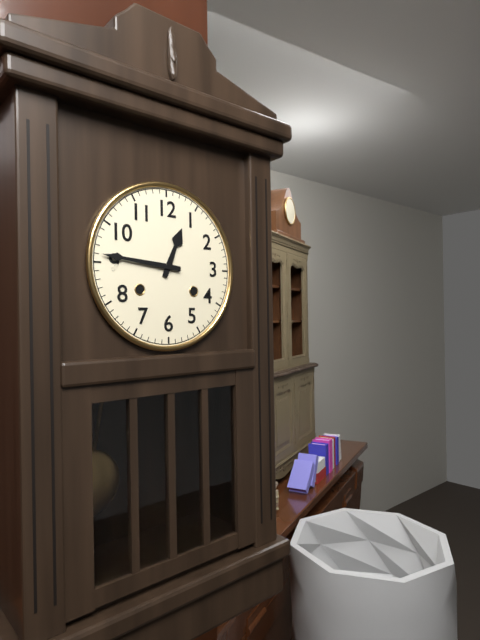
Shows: 12:46
